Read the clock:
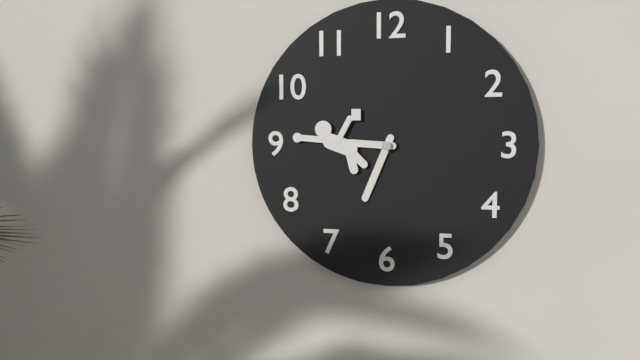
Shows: 6:45
